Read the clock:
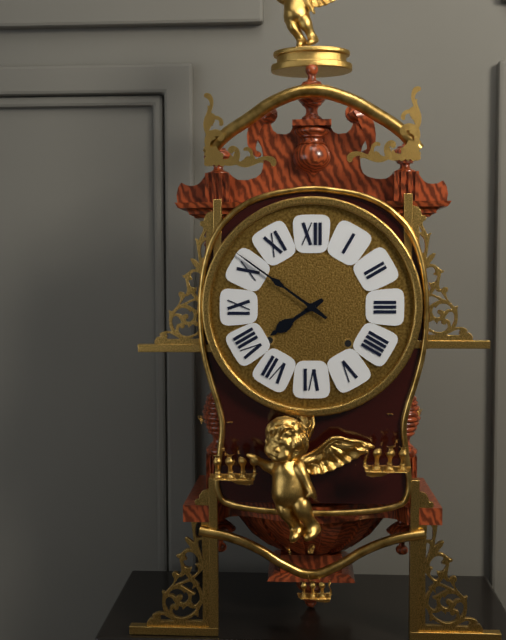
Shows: 7:51
